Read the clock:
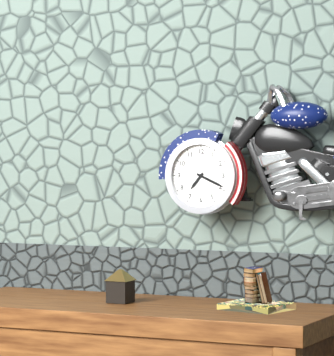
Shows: 7:19
